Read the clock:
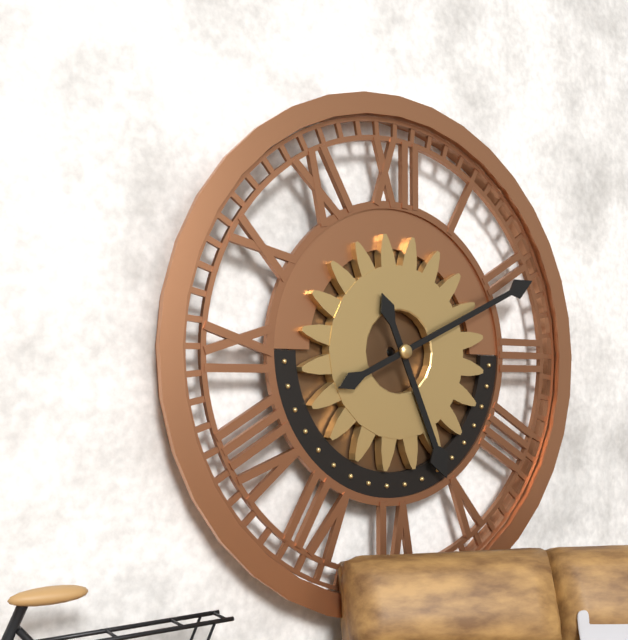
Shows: 5:11
